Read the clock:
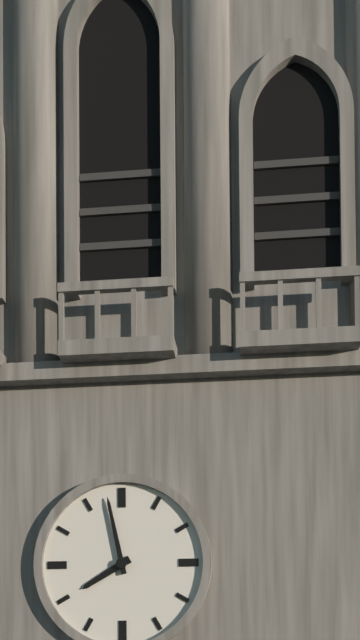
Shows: 7:58
